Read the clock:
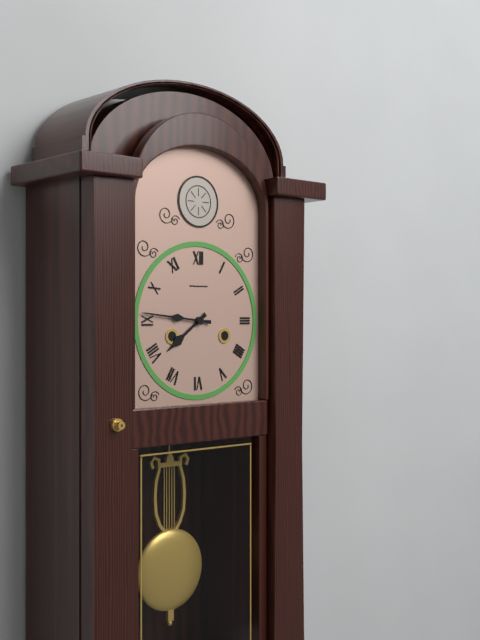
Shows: 7:46
